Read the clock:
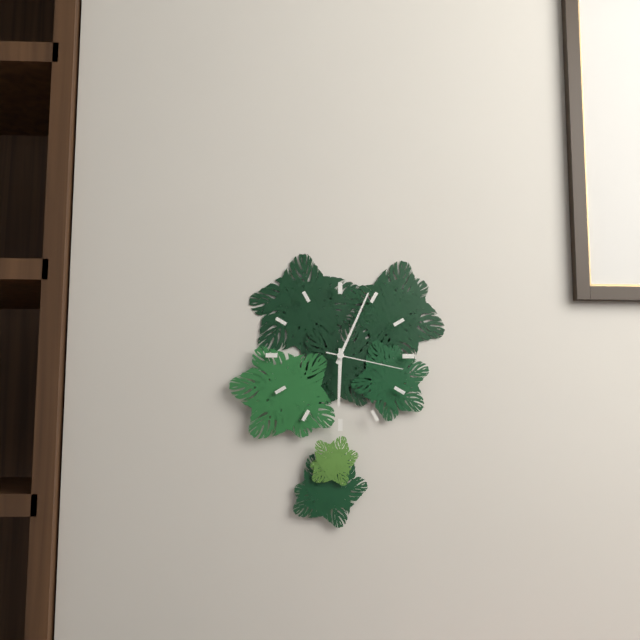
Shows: 6:04:17
